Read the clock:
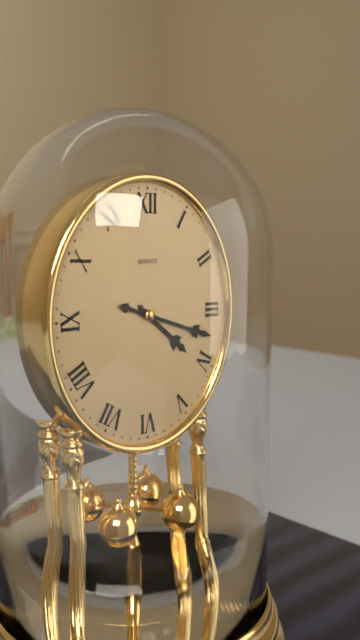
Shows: 4:18
